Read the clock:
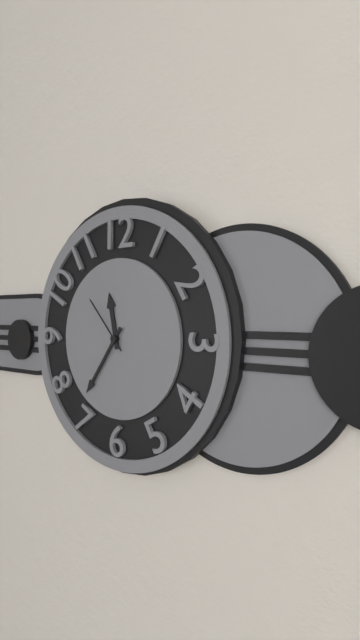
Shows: 11:36:53
